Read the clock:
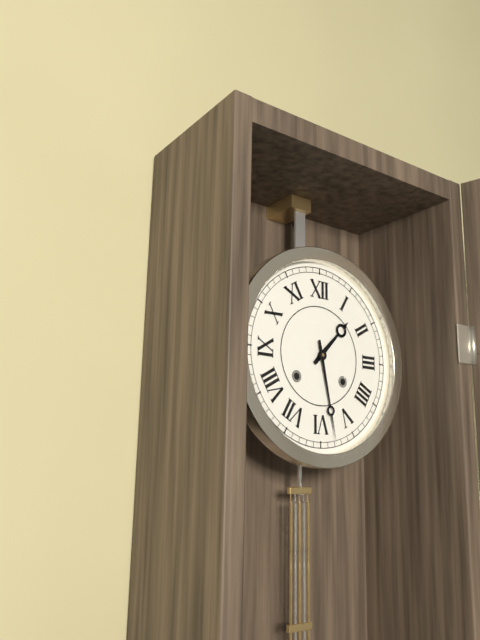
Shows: 1:28
